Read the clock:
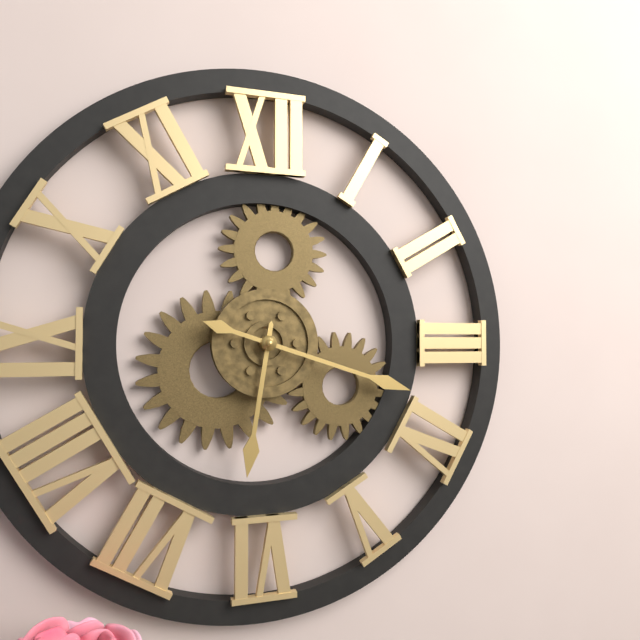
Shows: 6:18
